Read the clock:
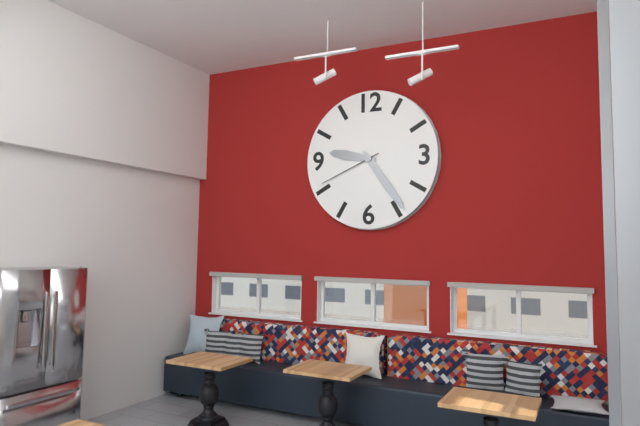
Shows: 9:24:41
